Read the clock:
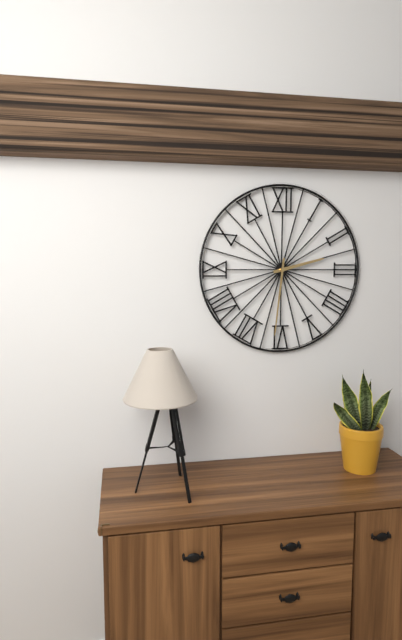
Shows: 2:31
